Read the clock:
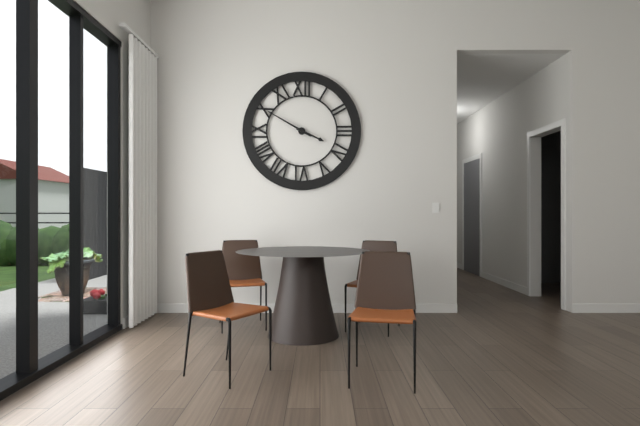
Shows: 3:50
